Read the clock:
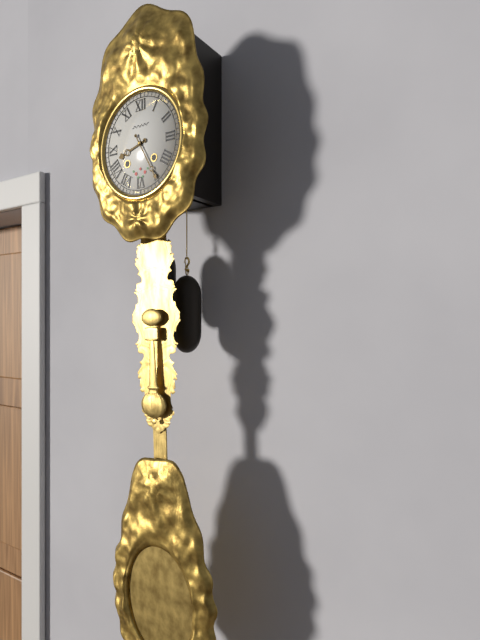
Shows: 8:25
